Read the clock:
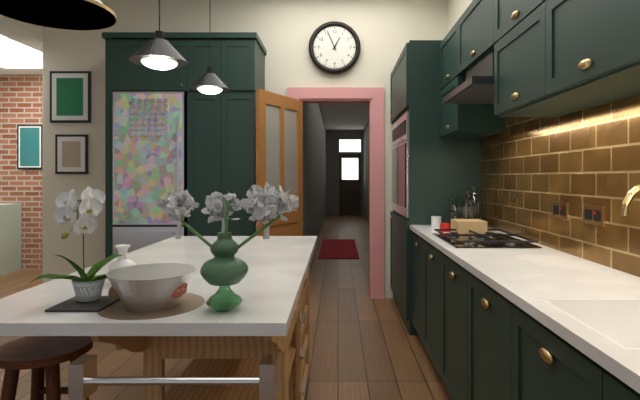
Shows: 12:56
